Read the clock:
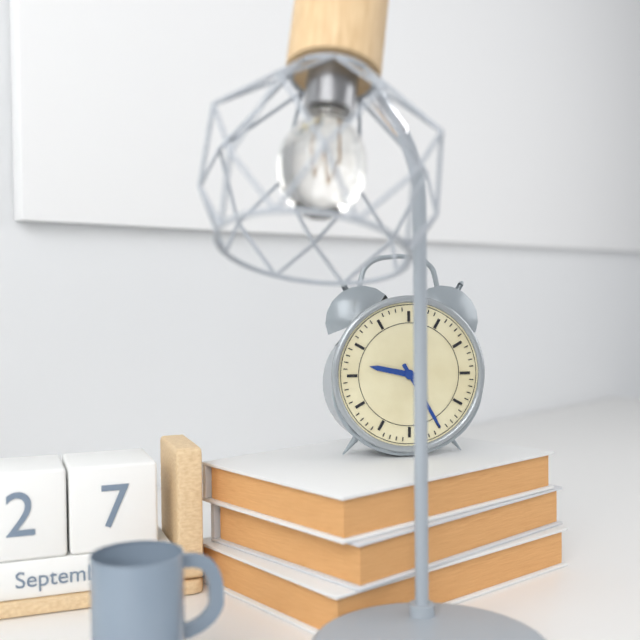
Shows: 9:25
